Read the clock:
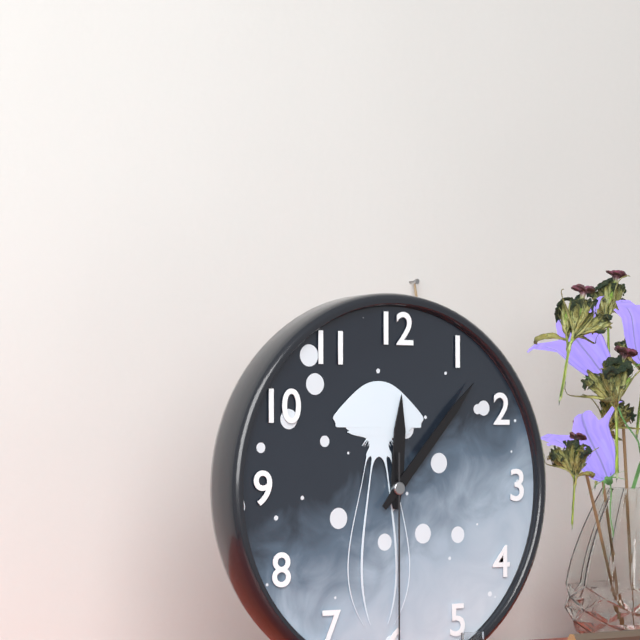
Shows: 12:07
